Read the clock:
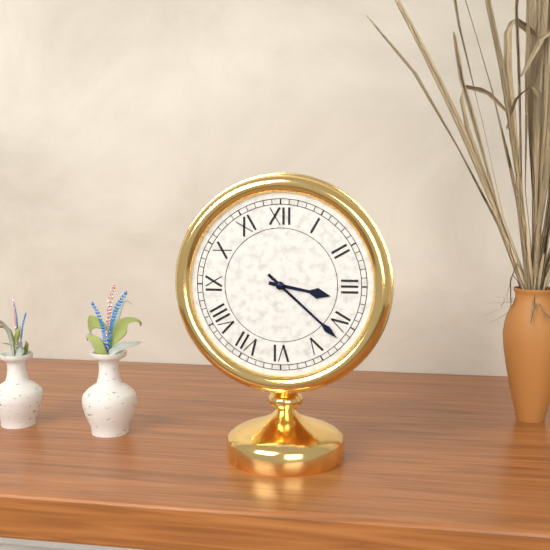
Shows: 3:22
